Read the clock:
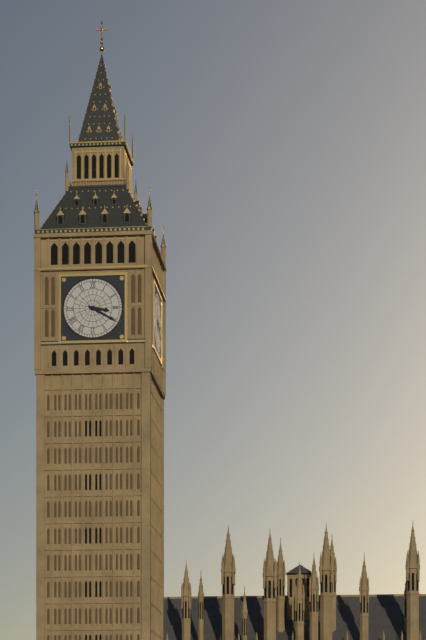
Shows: 3:20
